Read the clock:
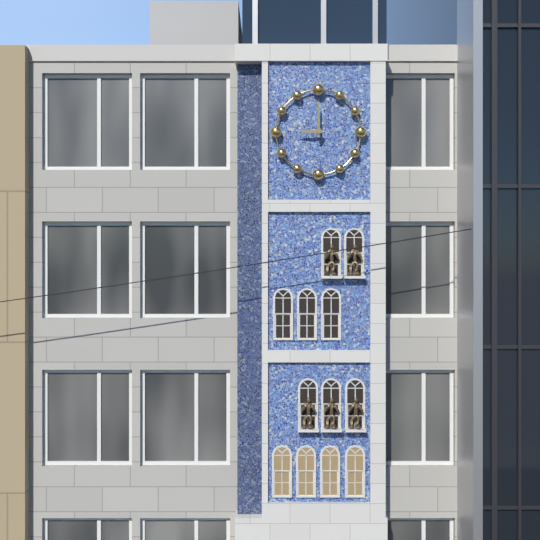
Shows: 9:00
